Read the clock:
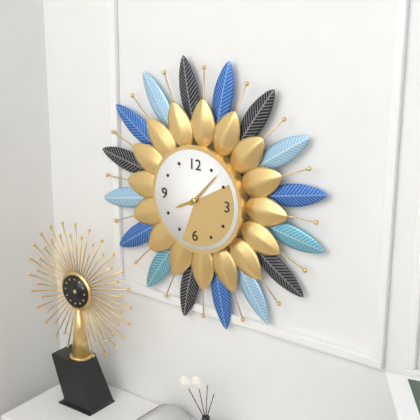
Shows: 8:07
